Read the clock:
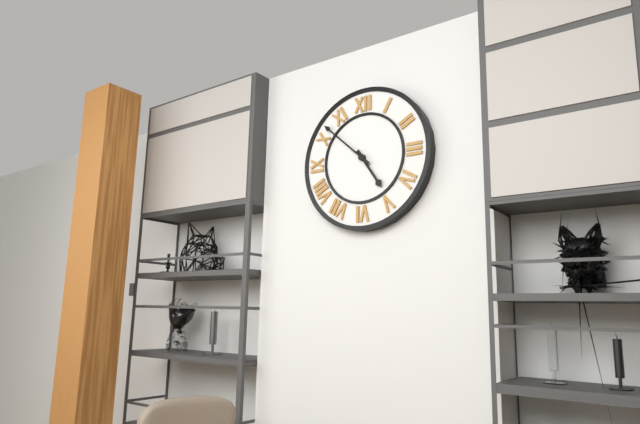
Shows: 4:52
